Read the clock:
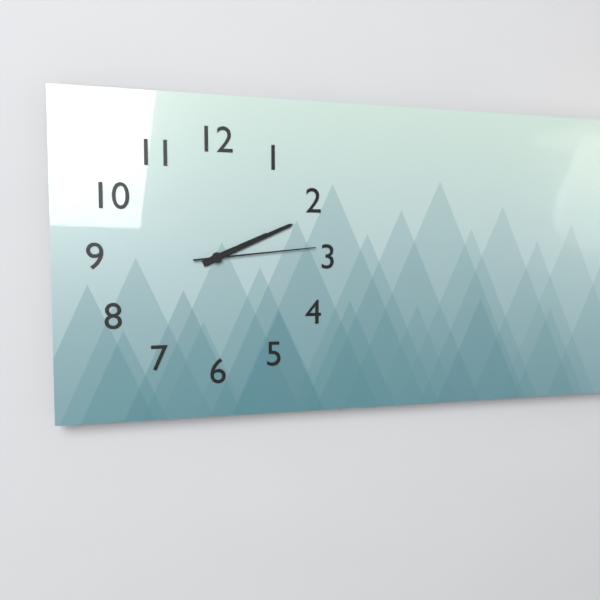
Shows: 2:11:14
